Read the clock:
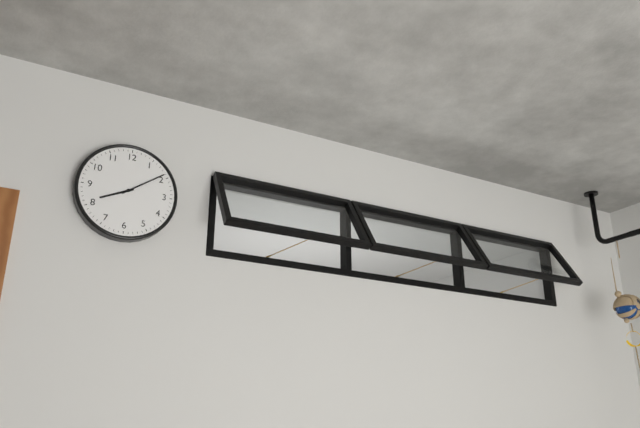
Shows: 8:09
